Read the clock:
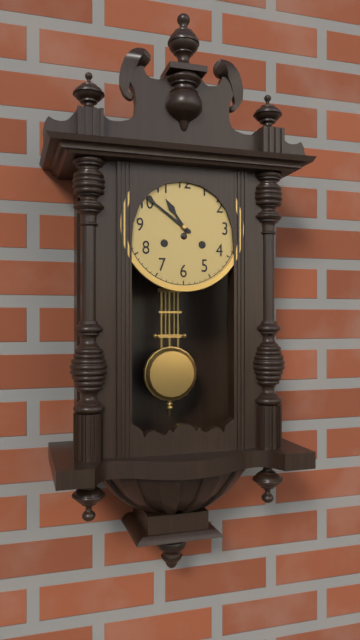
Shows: 10:51
